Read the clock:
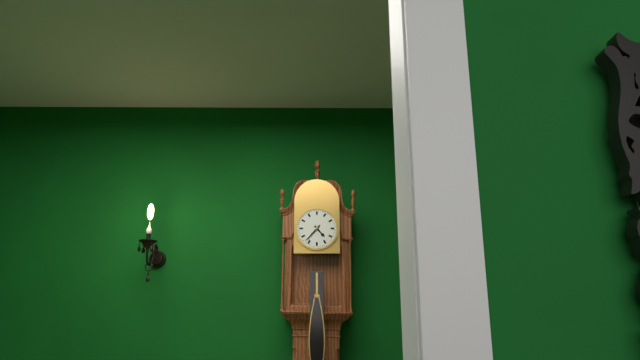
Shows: 4:37
